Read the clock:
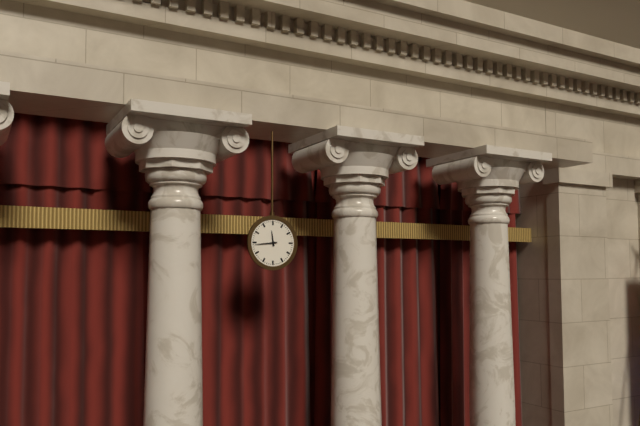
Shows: 11:44
